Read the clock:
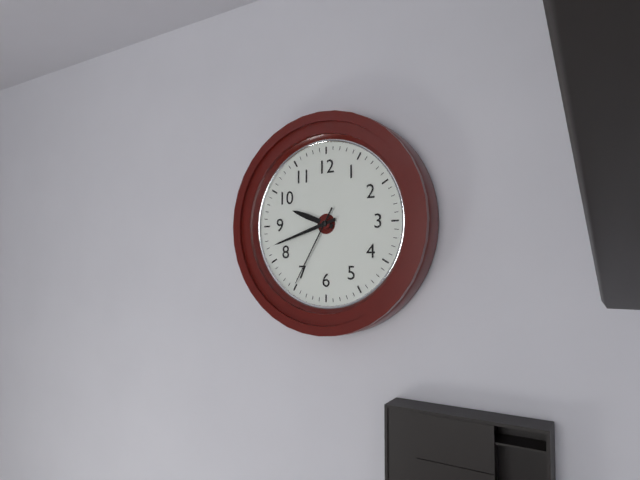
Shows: 9:42:35
